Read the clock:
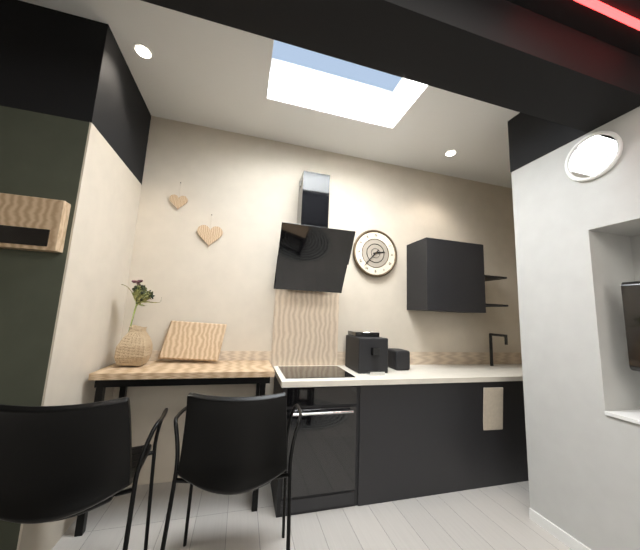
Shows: 2:37
